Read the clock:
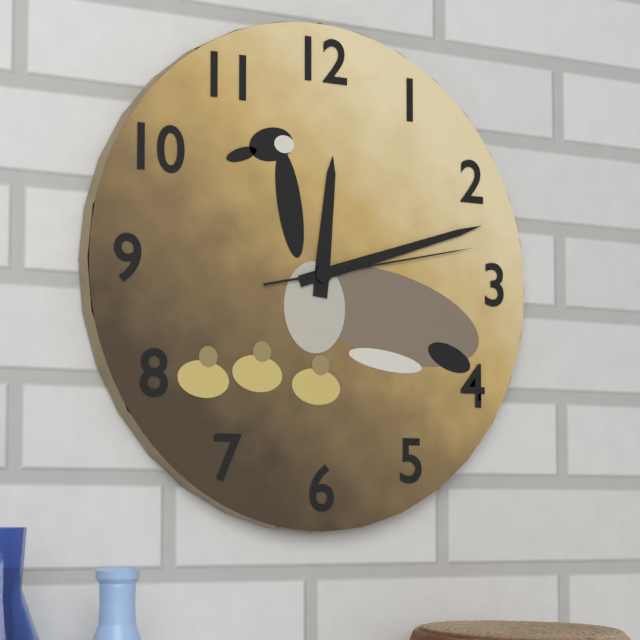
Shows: 12:12:13
